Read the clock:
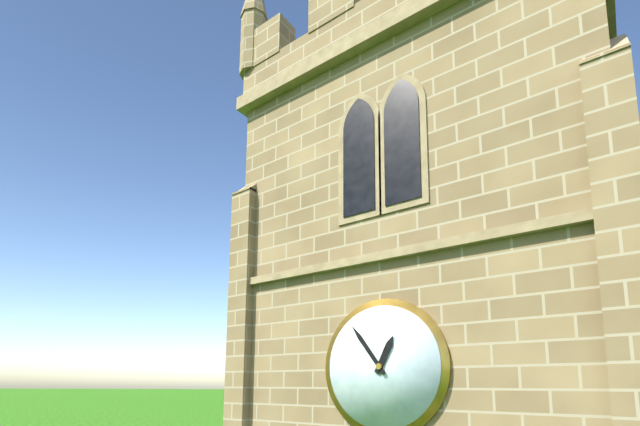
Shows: 12:54
